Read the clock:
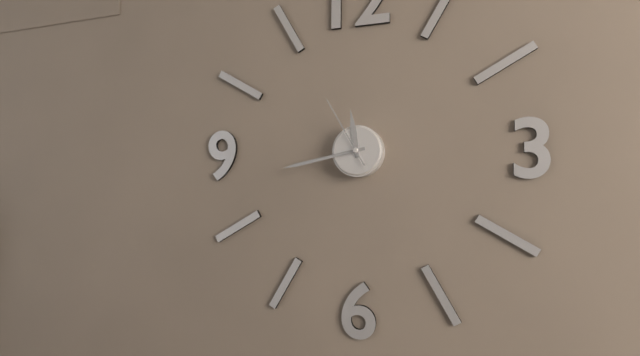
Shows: 11:43:55
